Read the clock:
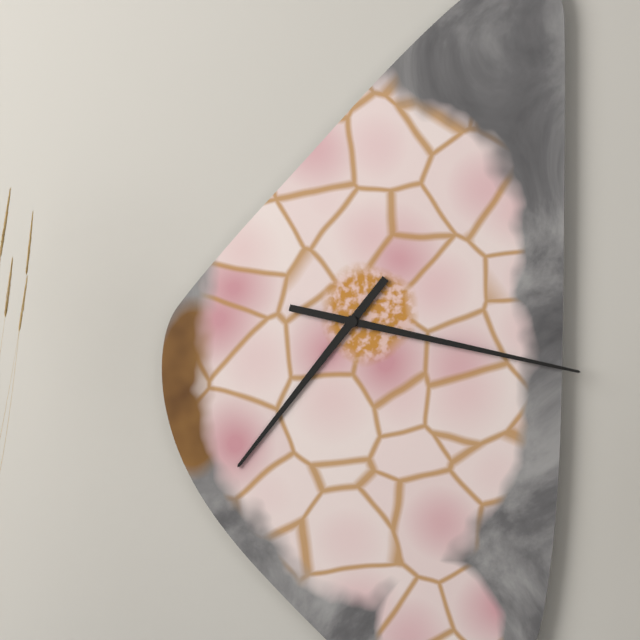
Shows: 7:17
